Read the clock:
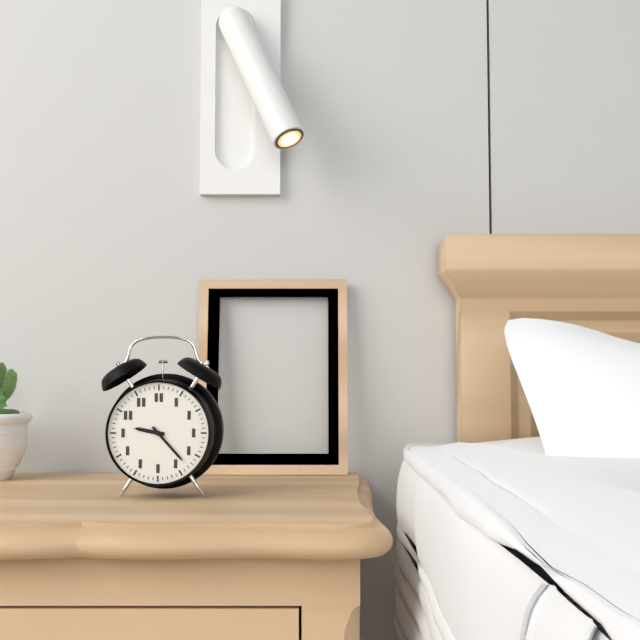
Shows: 9:23
